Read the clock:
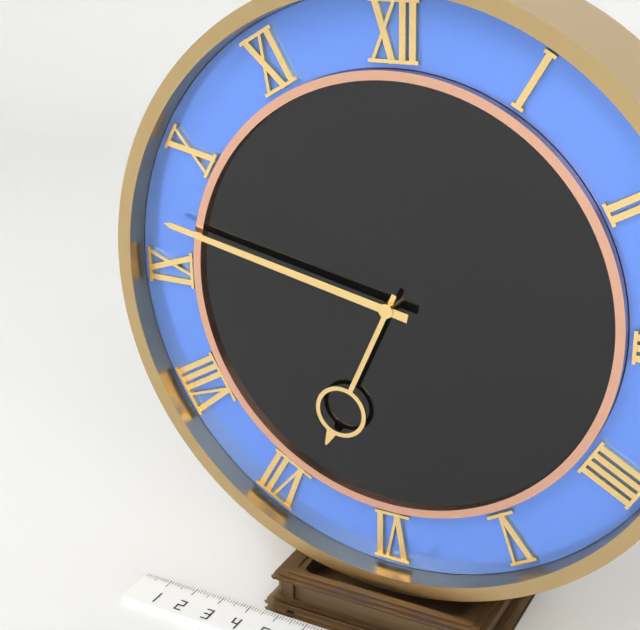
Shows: 6:47
